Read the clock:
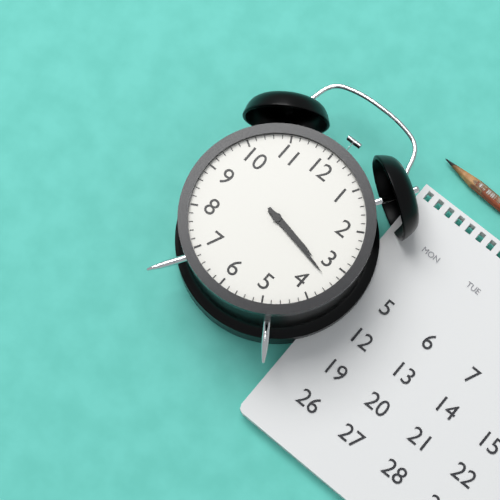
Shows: 3:17
